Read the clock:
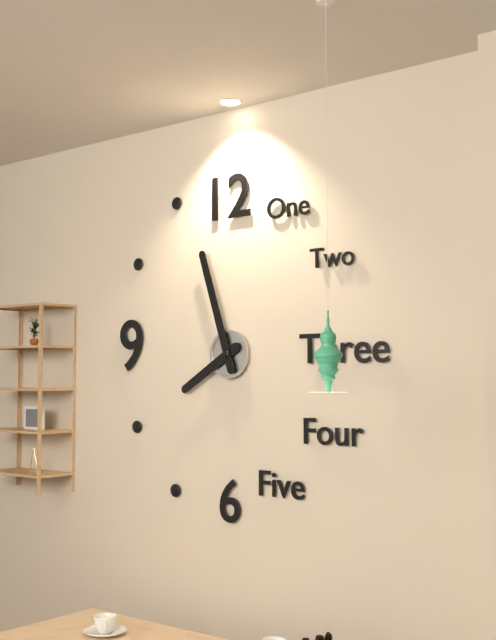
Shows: 7:57
